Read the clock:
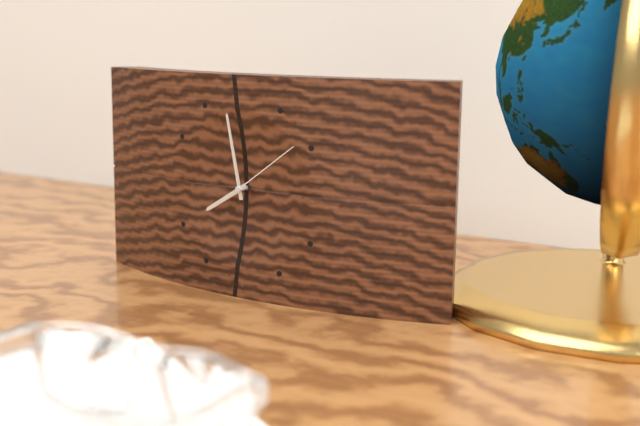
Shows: 7:58:09
